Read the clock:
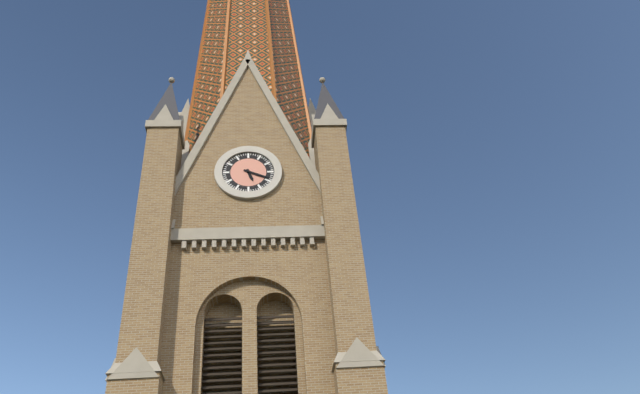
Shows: 5:19
